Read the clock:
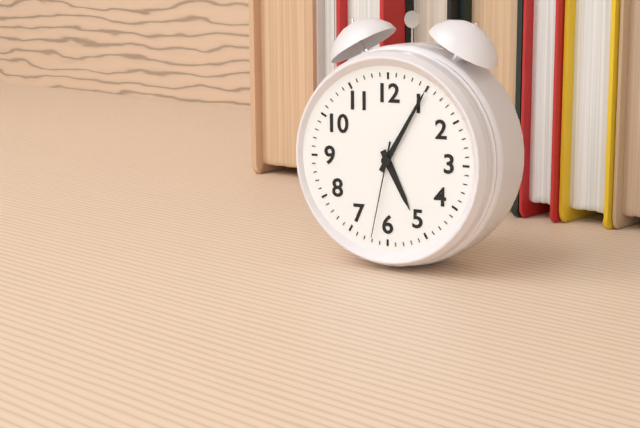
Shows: 5:05:32
